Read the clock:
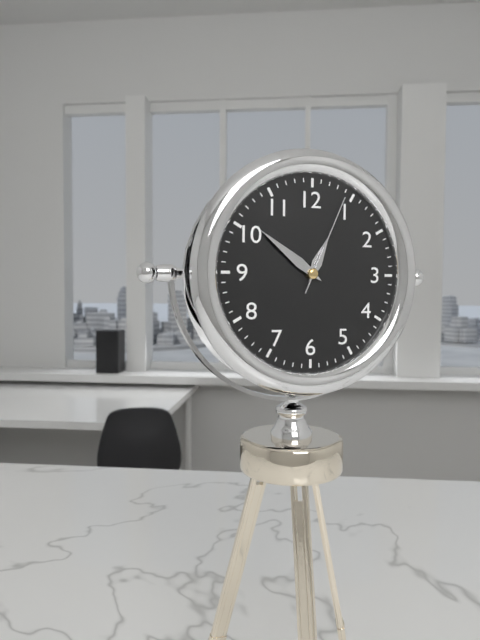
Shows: 12:51:04
